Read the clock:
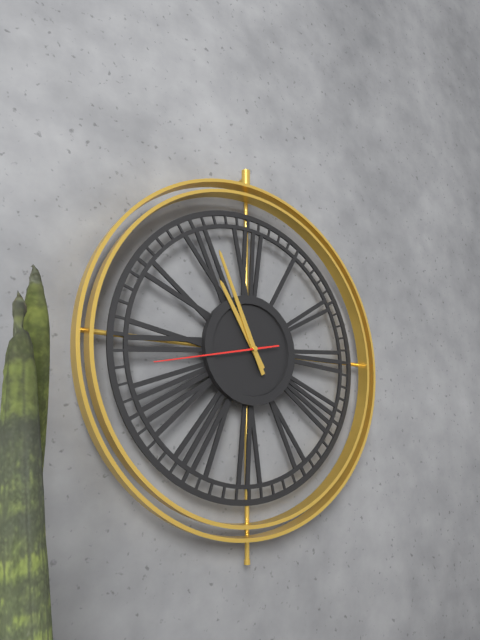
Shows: 10:56:43
